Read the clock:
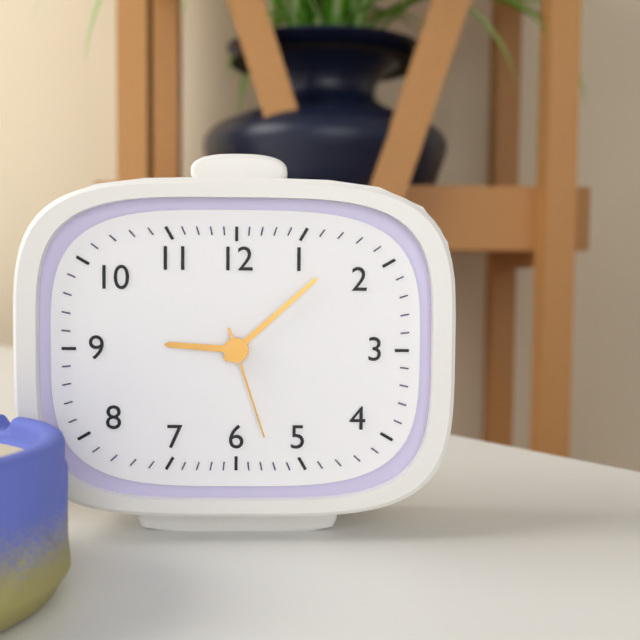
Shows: 9:08:27
